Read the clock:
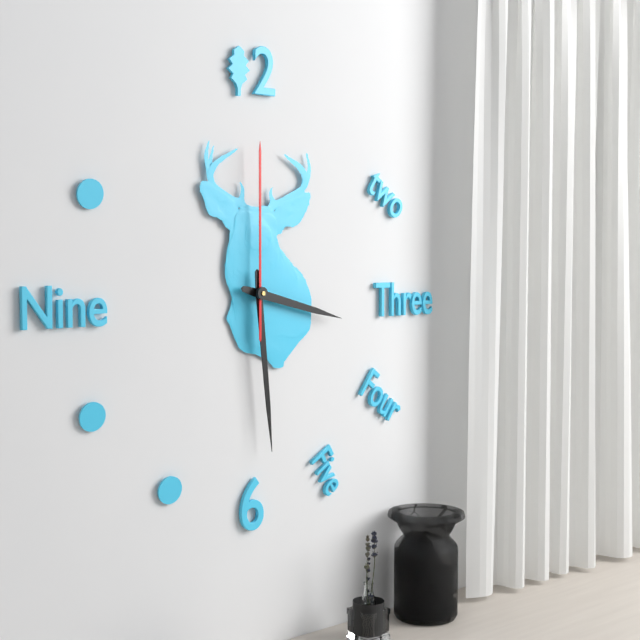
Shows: 3:29:00
